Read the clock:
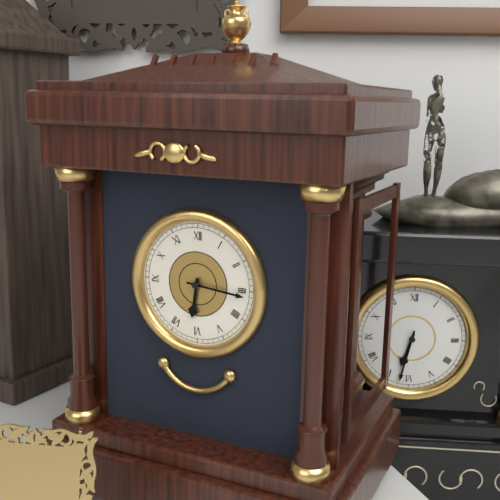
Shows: 6:16
